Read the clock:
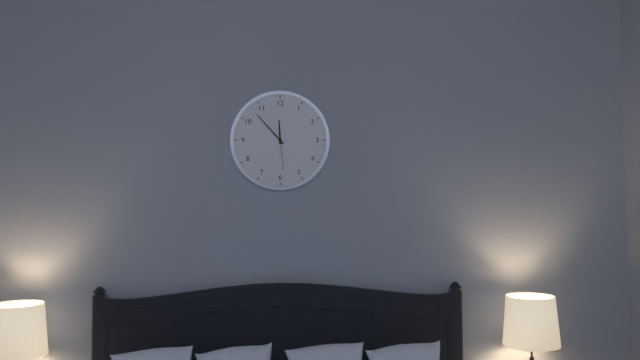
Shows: 11:53
